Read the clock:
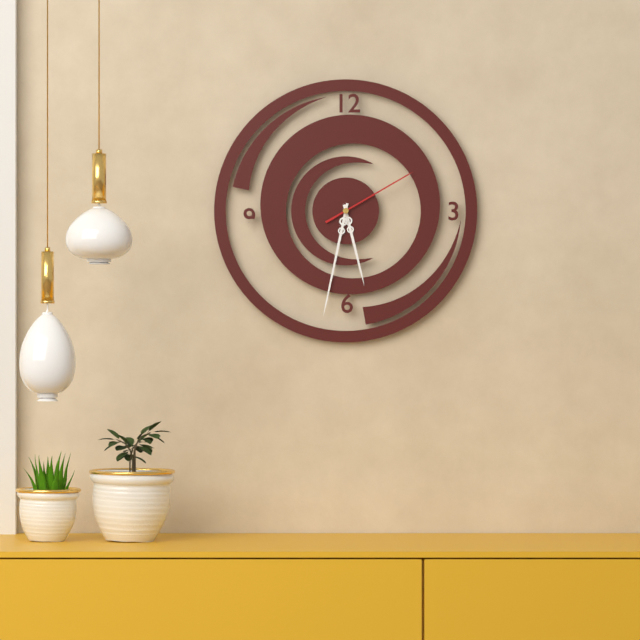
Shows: 5:32:10
